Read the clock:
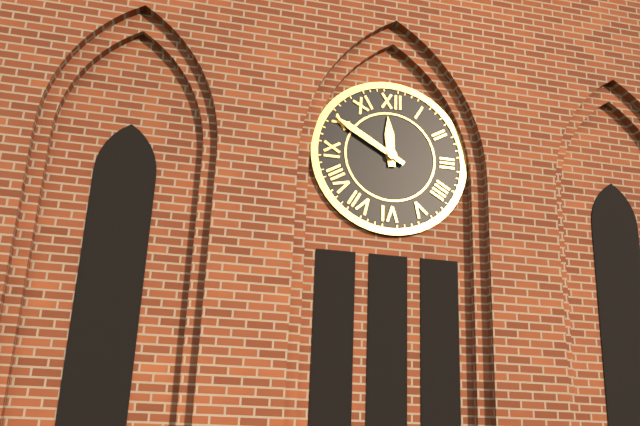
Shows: 11:50
